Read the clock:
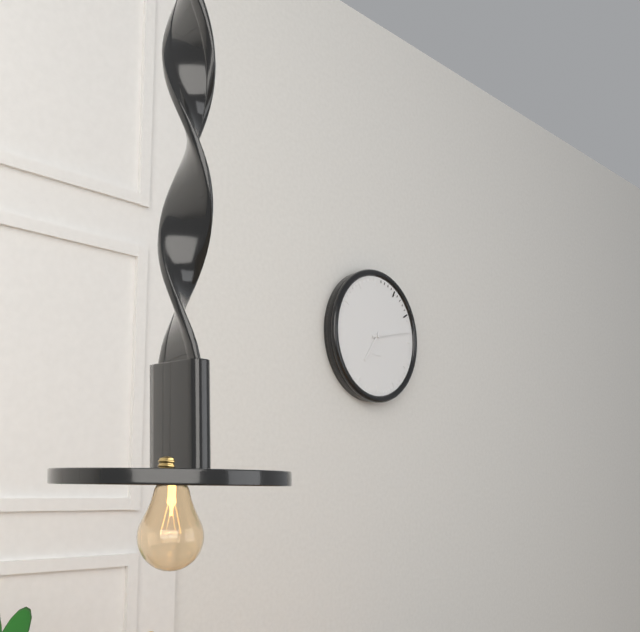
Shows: 7:13
